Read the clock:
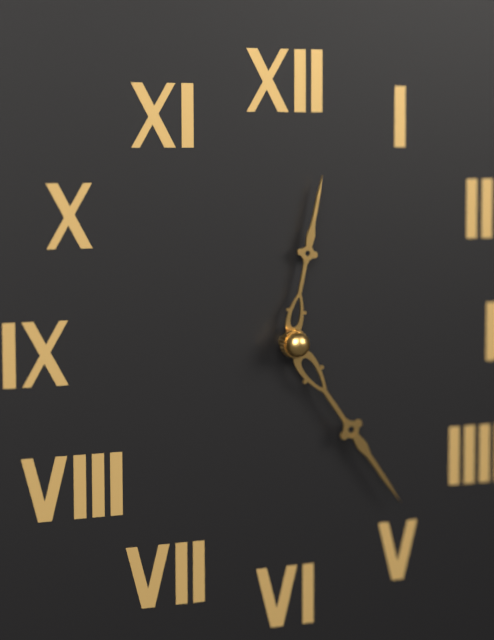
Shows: 12:24
